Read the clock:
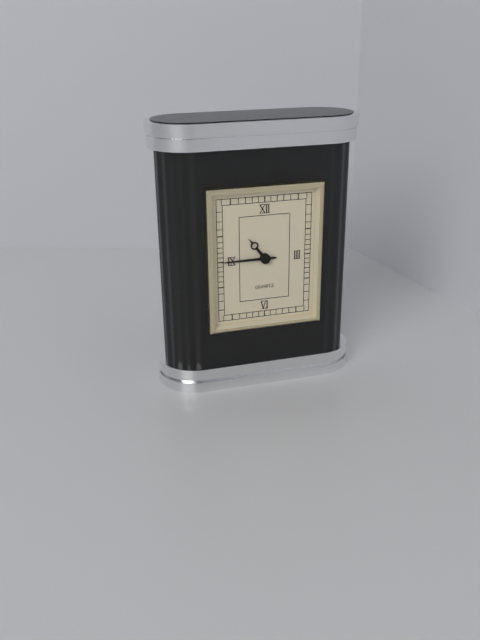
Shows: 10:45
